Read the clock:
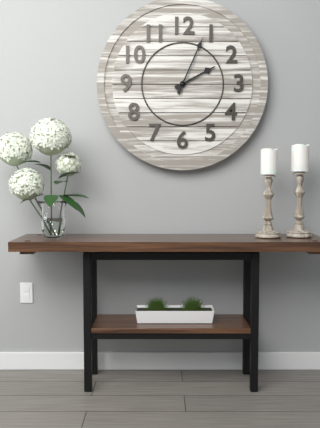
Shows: 2:04
